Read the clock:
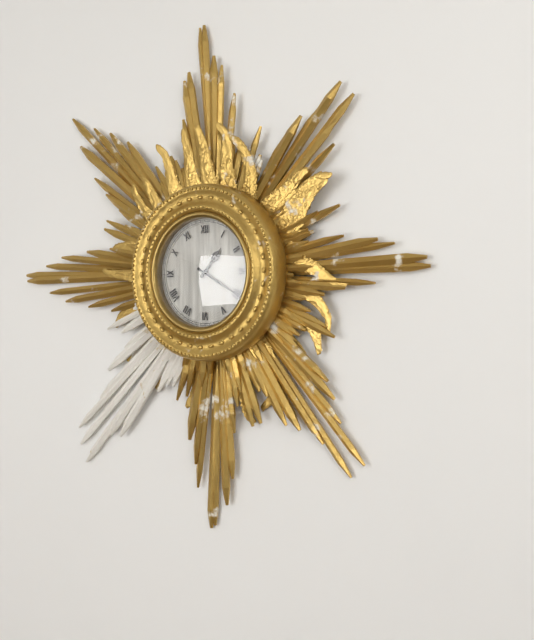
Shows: 1:20
